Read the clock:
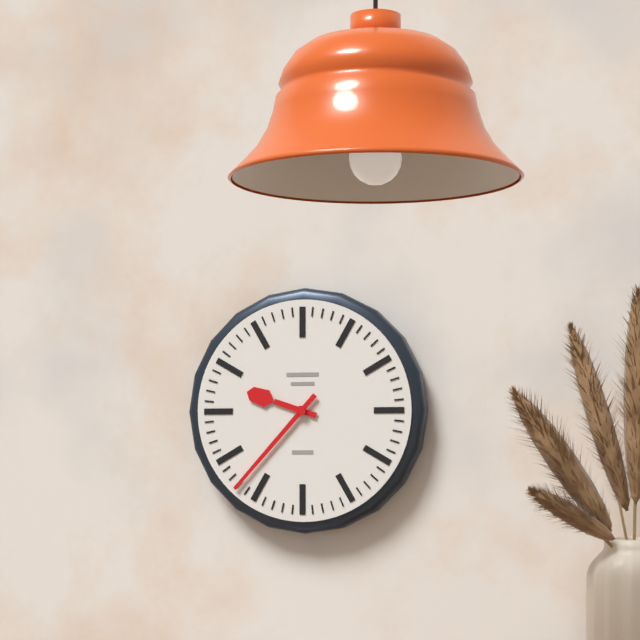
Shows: 9:37
